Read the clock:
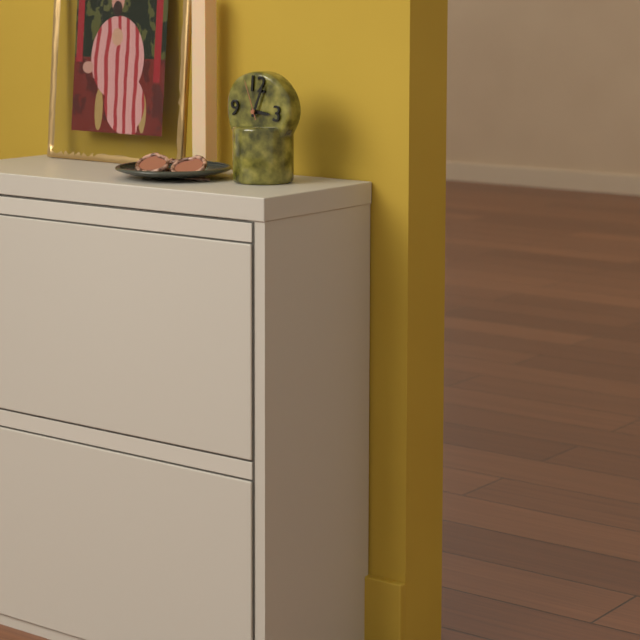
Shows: 3:03
